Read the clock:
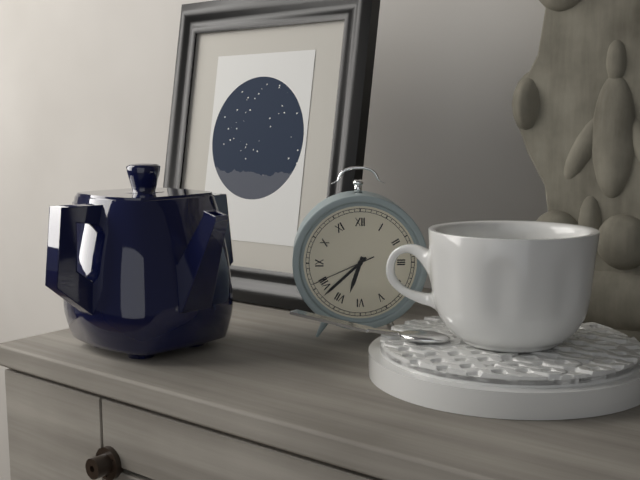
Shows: 6:38:41
